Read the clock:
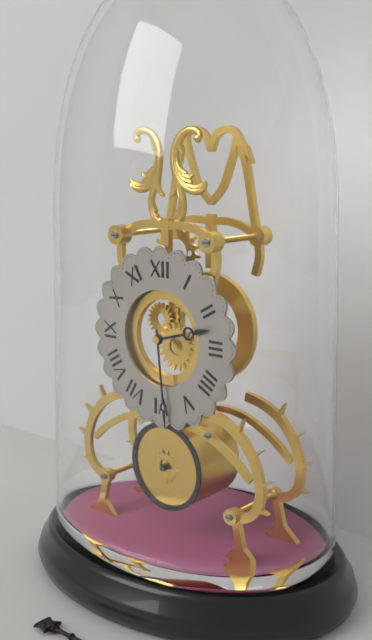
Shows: 2:29
